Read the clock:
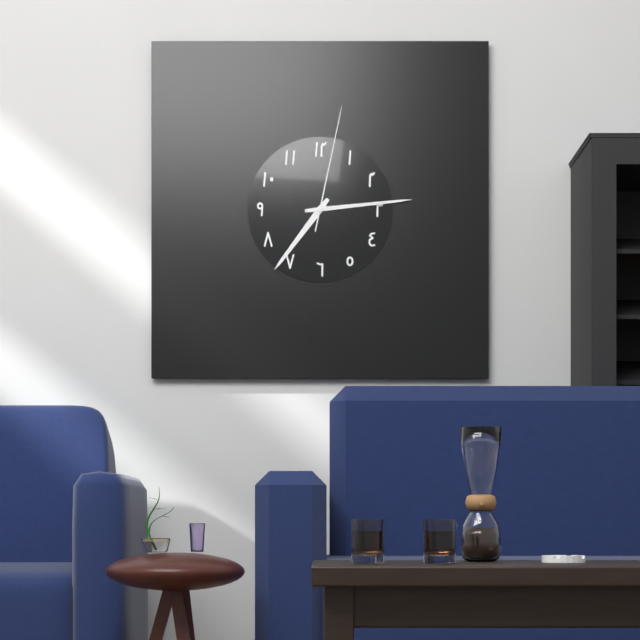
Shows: 7:14:02
